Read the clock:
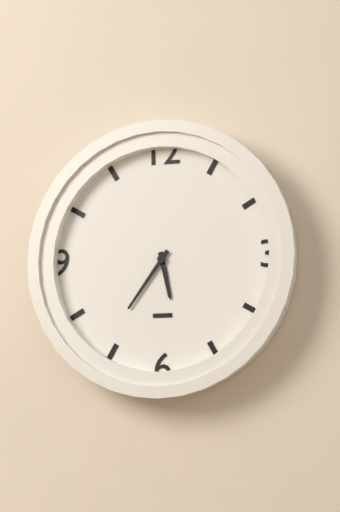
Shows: 5:36
